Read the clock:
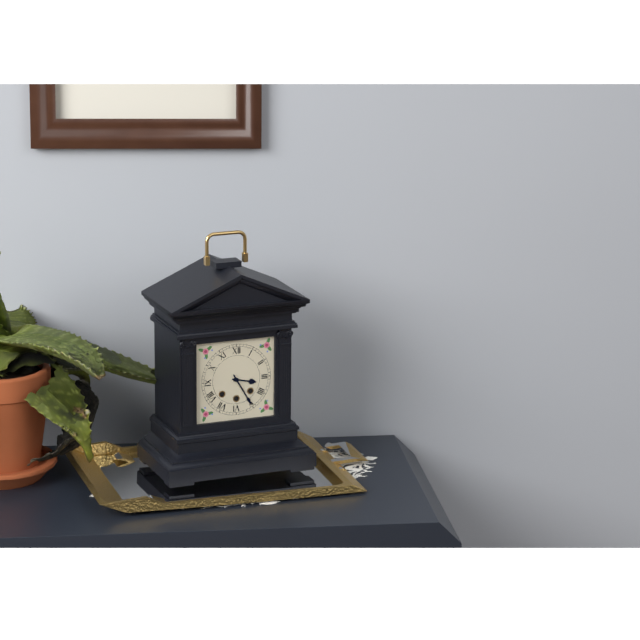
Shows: 3:25
